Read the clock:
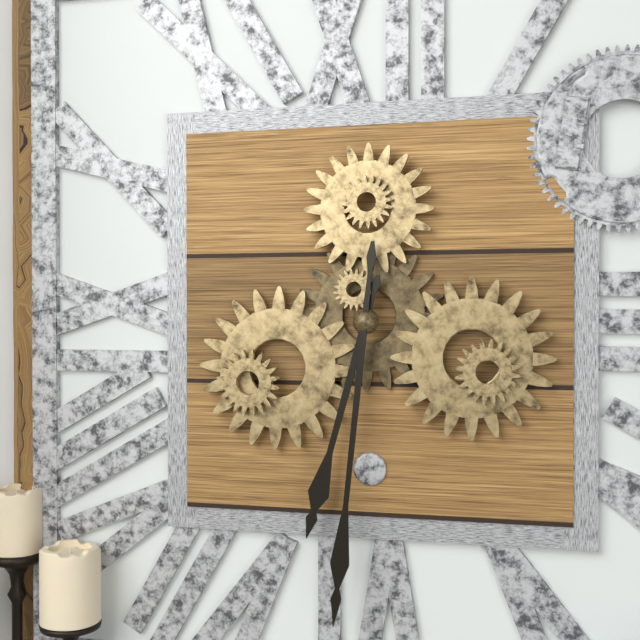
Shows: 6:31
